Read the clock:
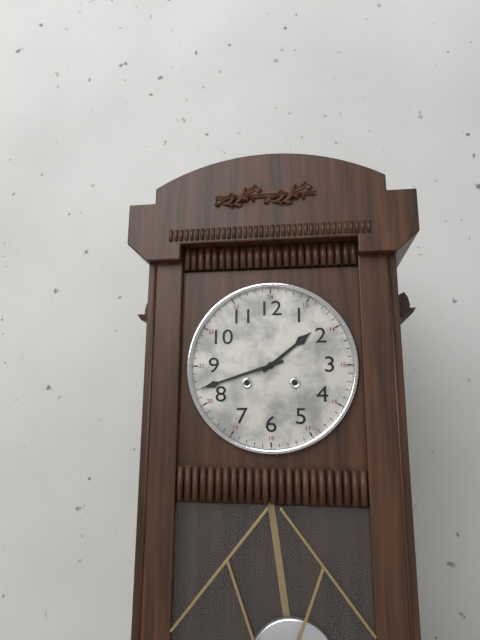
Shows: 1:42
